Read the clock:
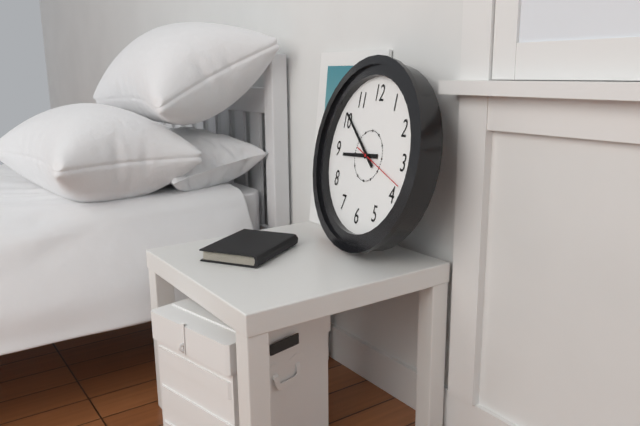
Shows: 8:51:18
